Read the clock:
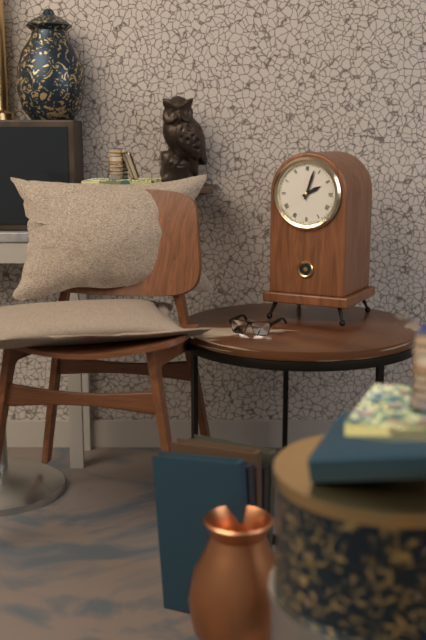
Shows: 2:03
